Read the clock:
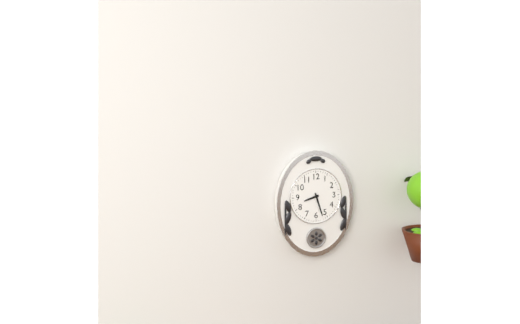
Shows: 8:27
